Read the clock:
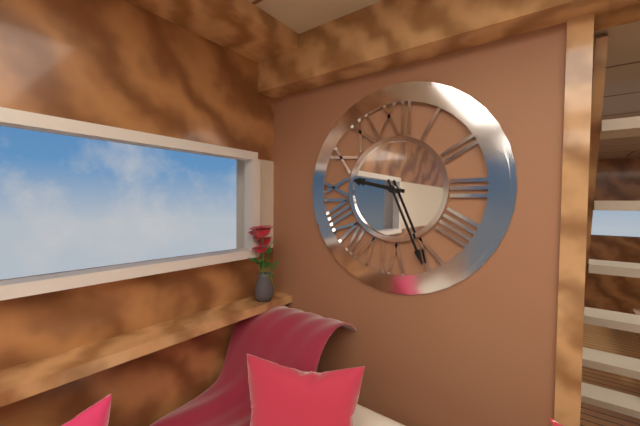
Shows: 9:26
